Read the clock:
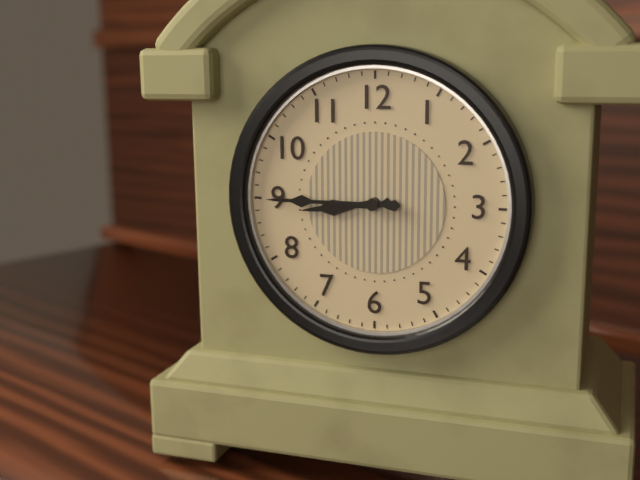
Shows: 8:45
